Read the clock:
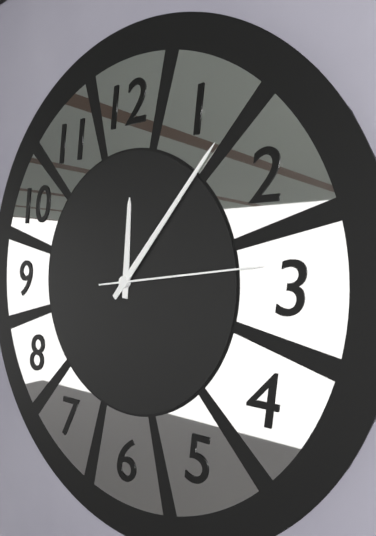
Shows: 12:07:14
